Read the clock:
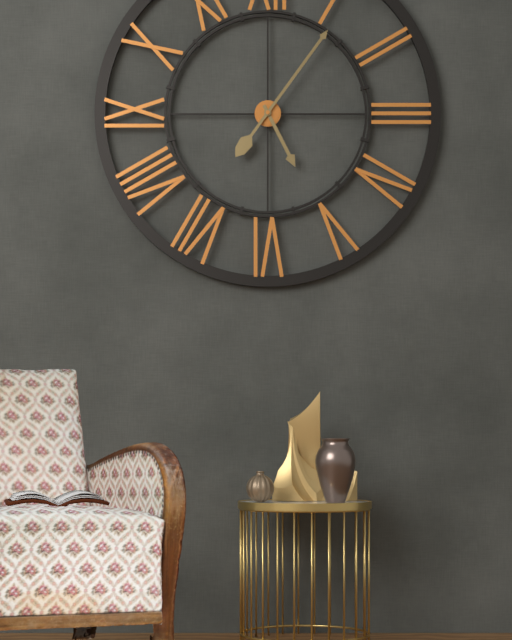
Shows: 5:06
